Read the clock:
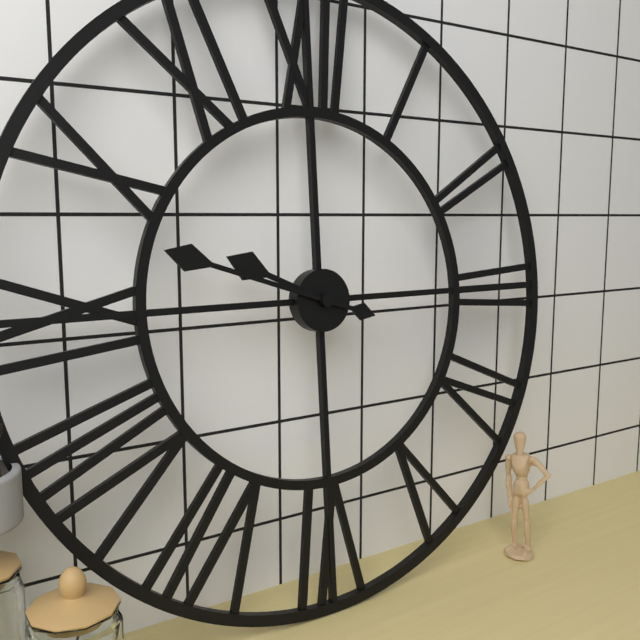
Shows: 9:48
